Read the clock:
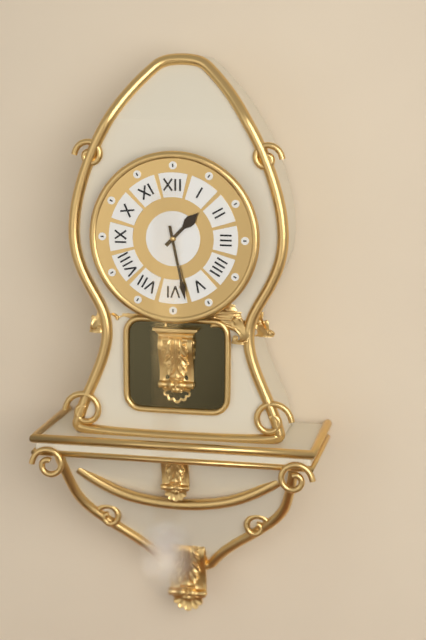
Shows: 1:28
